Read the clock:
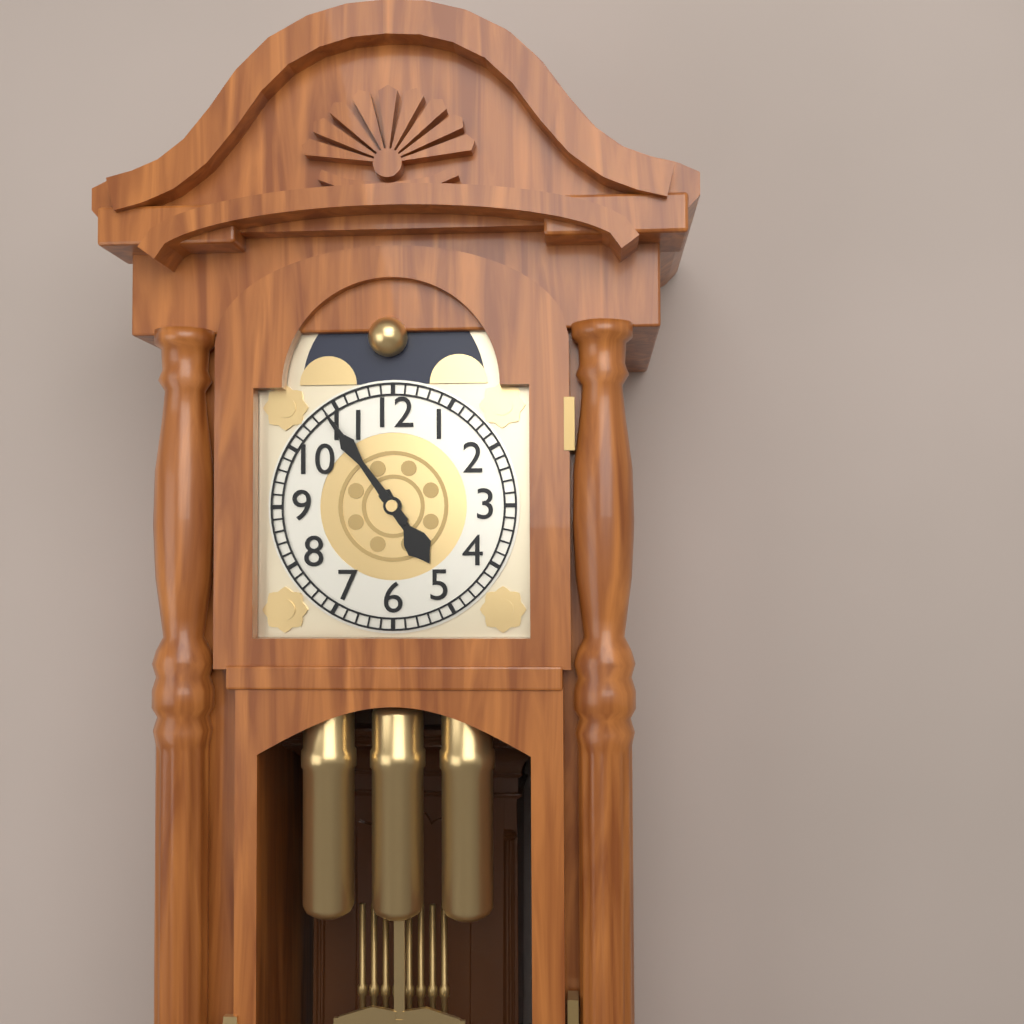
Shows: 4:54
